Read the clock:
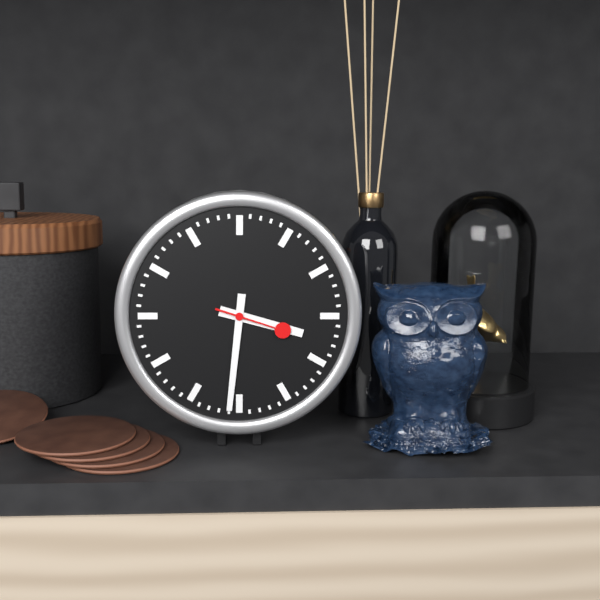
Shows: 3:31:18
